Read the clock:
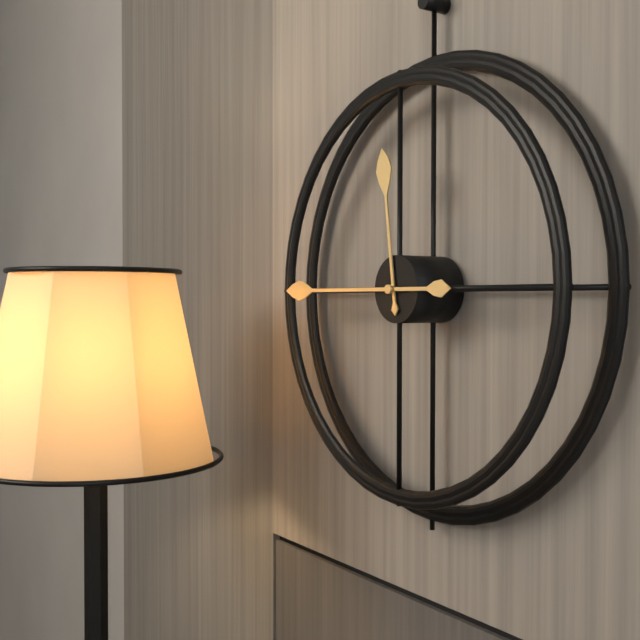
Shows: 11:45
